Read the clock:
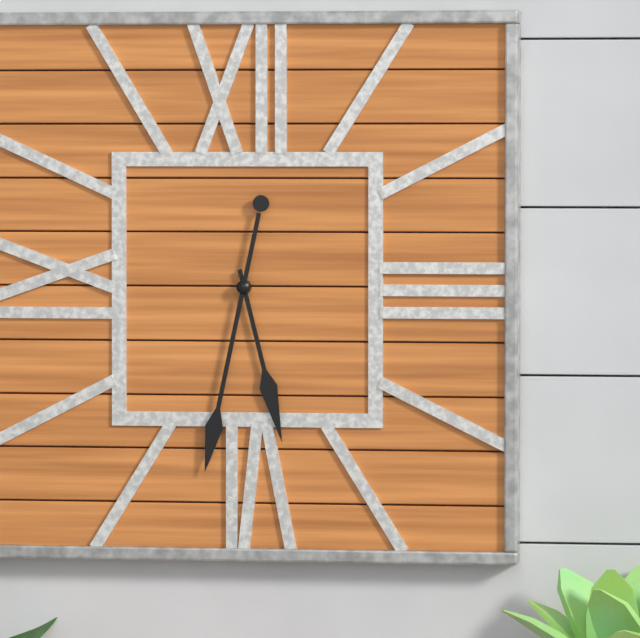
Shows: 5:32
